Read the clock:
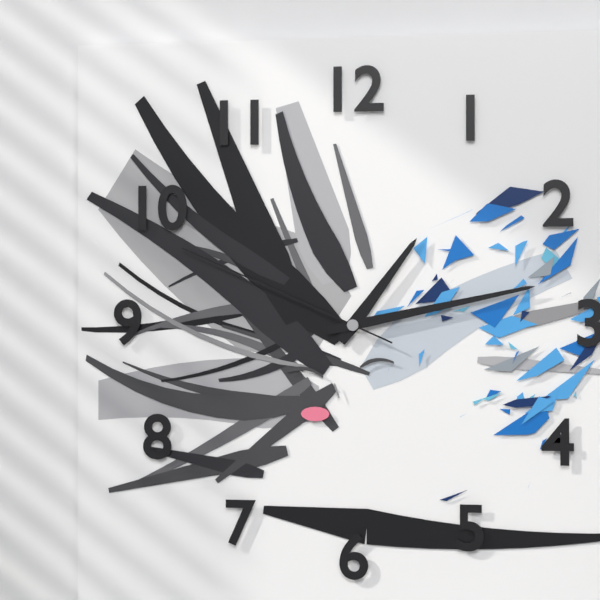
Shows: 1:13:49
